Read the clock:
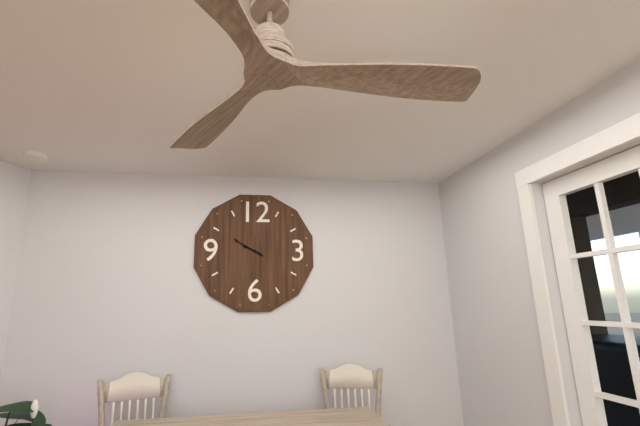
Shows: 9:50
